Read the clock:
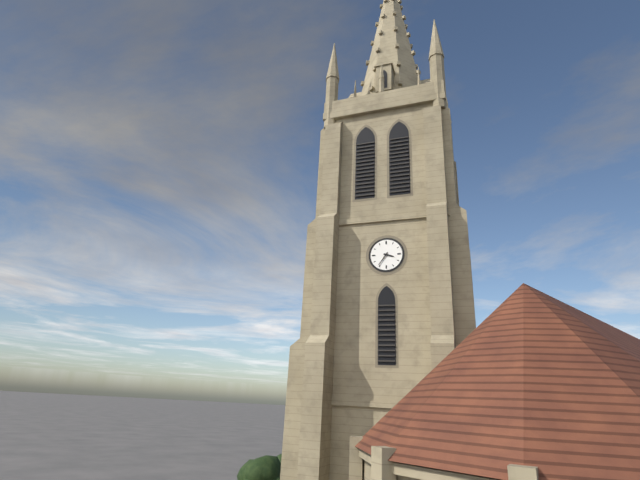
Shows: 3:36
